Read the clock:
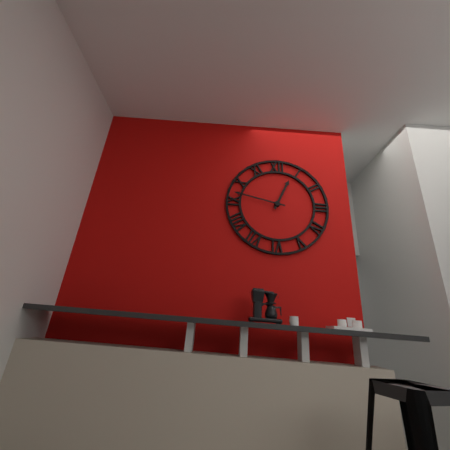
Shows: 12:47
